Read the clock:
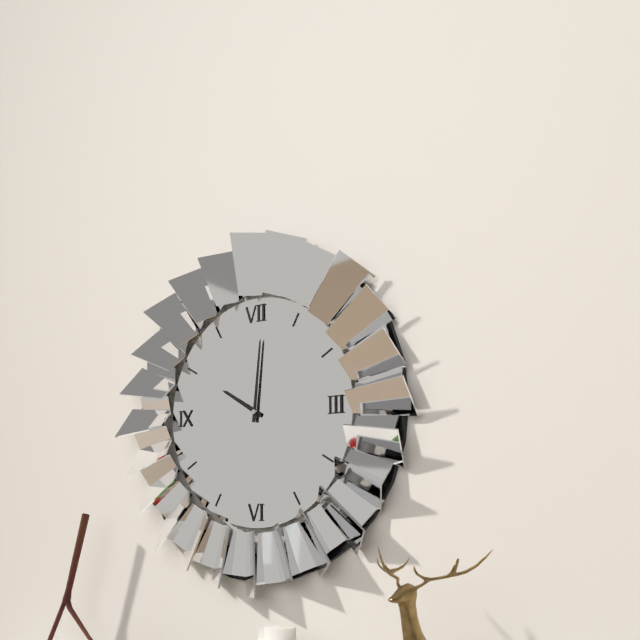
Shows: 10:01
